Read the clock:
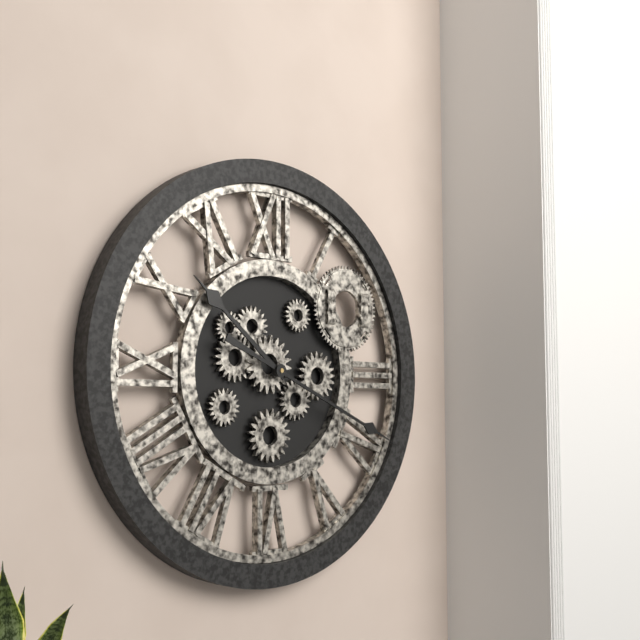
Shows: 10:19
